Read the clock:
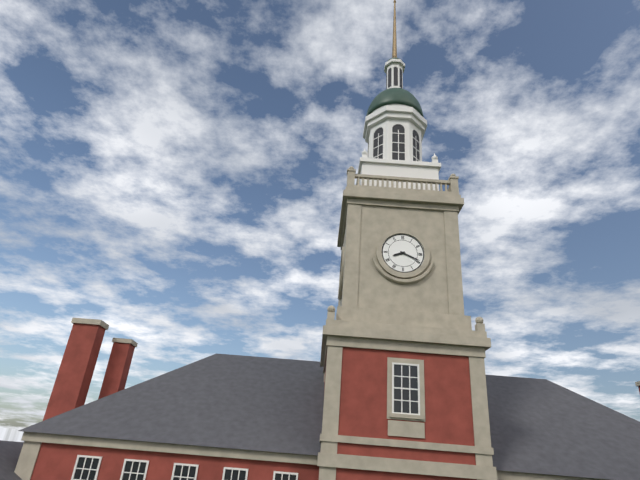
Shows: 8:19
